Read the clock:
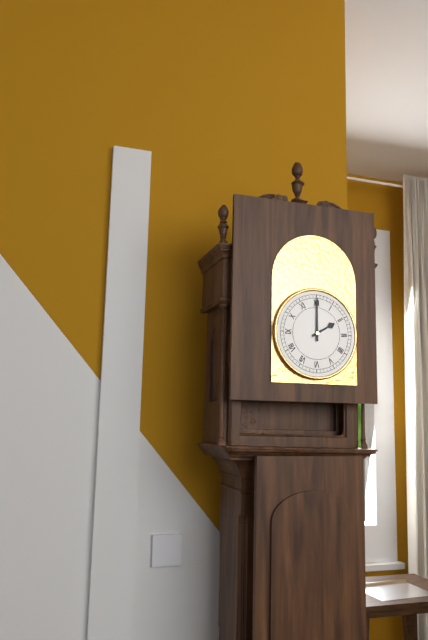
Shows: 2:00
